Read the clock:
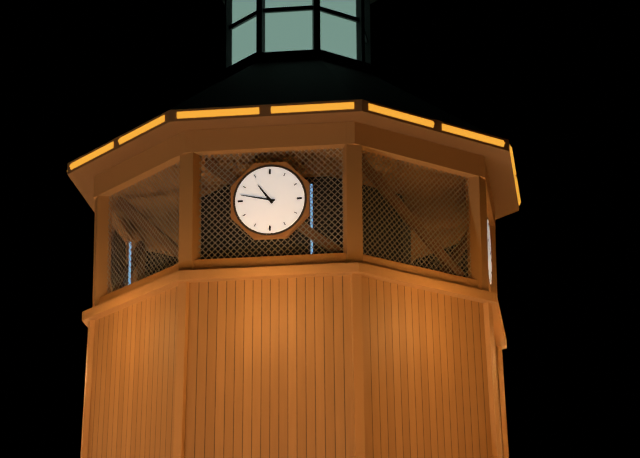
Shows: 10:47
